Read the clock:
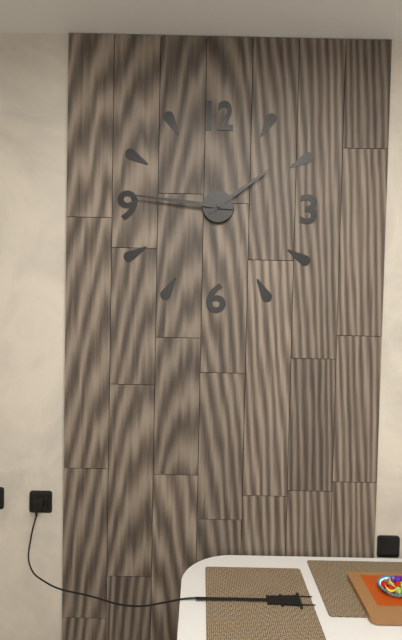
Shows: 1:46
